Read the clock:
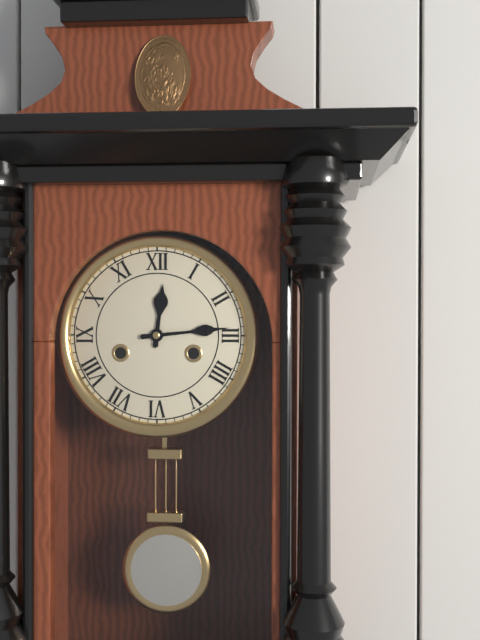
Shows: 12:14
